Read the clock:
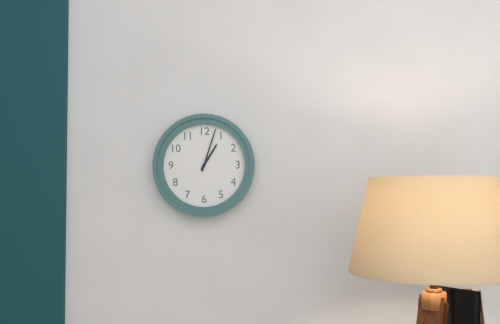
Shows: 1:03
